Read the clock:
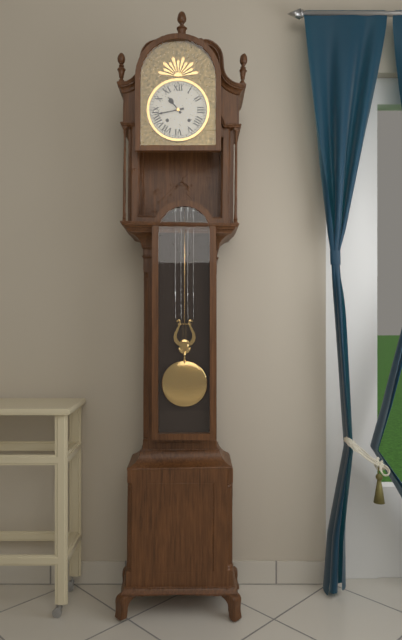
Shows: 10:43
